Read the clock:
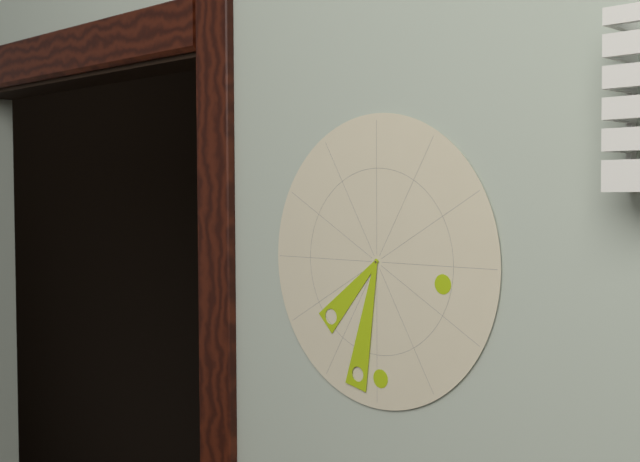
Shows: 7:32
